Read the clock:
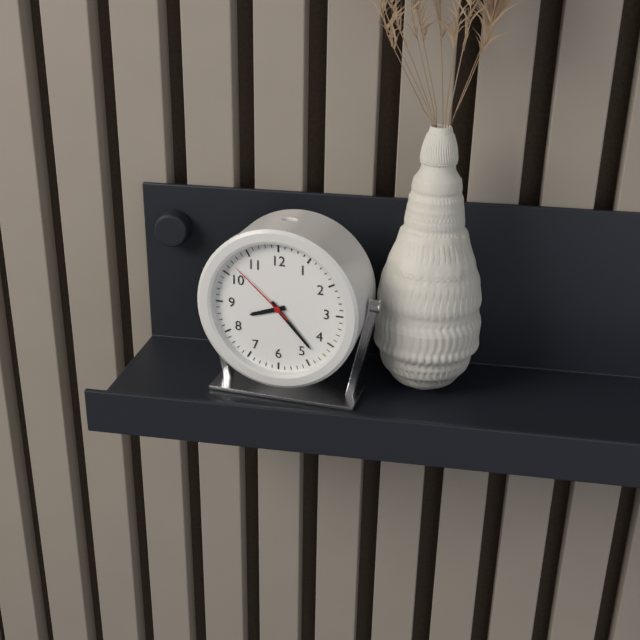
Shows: 8:23:52
